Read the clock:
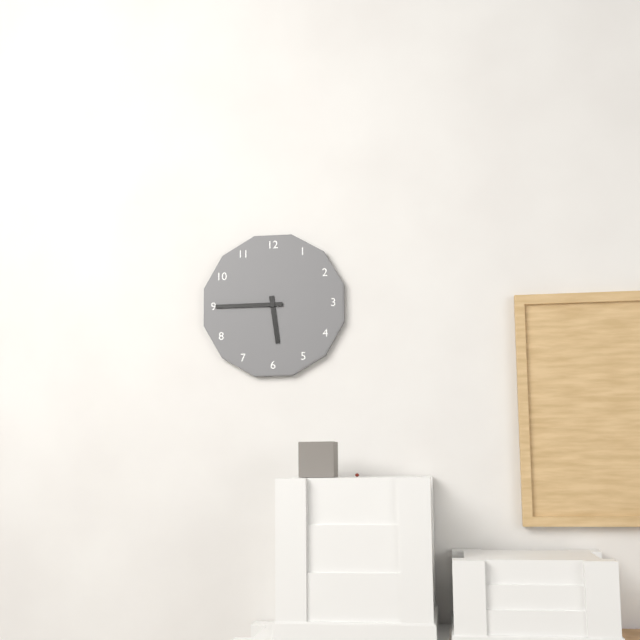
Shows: 5:45
